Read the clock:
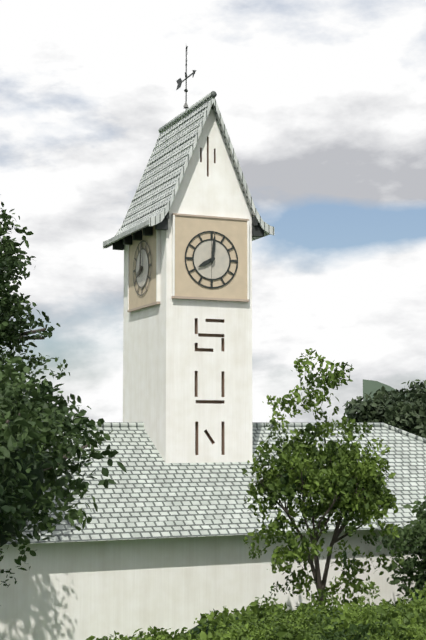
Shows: 8:01
